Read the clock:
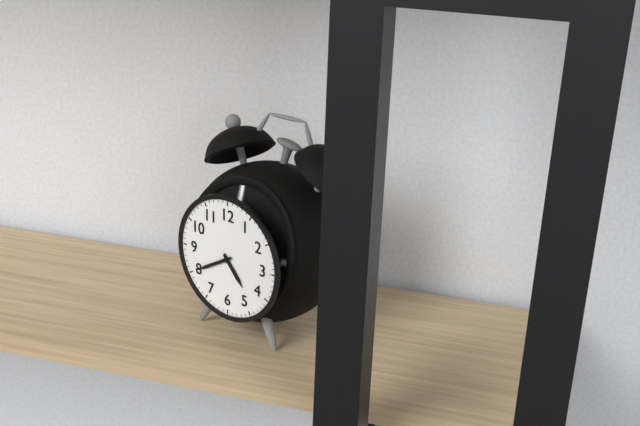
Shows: 4:40
